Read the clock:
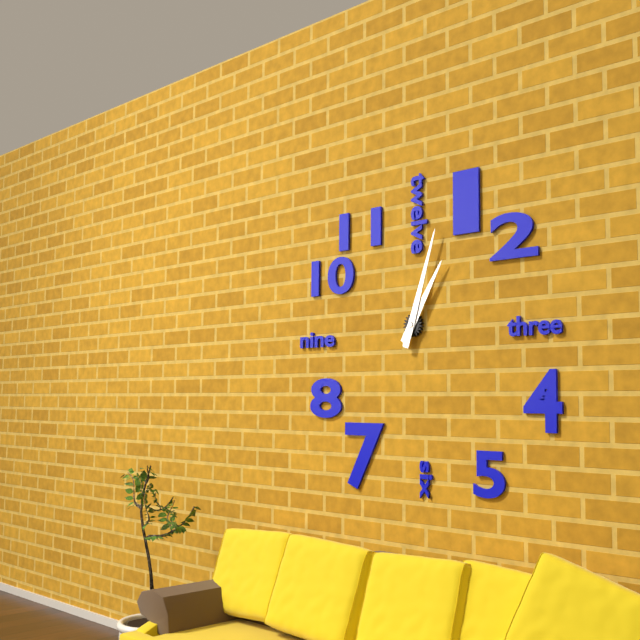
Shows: 1:03
